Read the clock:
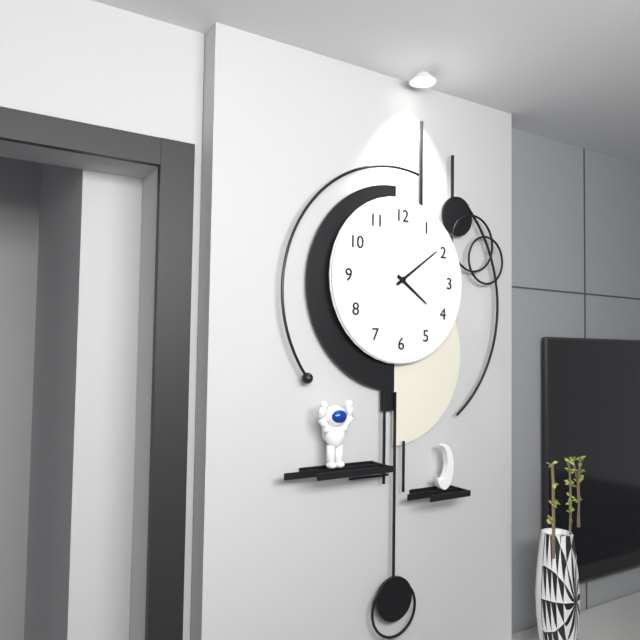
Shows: 4:09
